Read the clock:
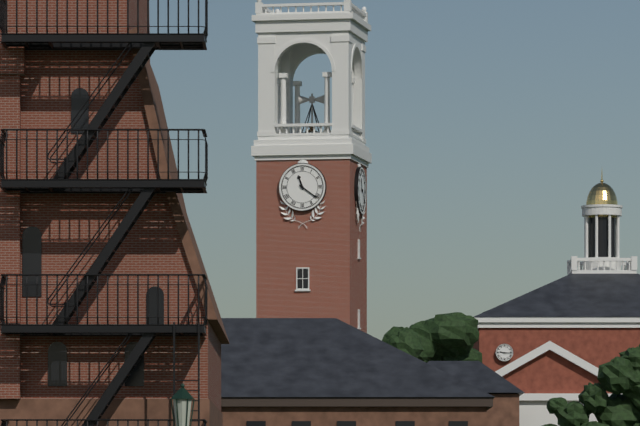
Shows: 11:21
